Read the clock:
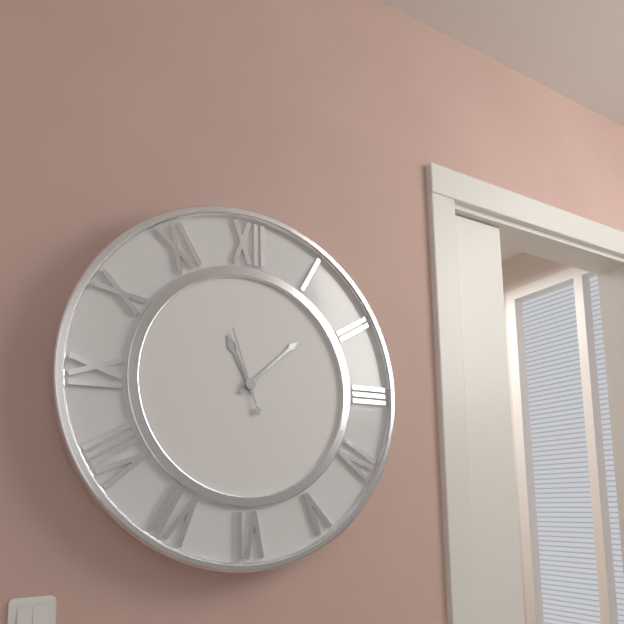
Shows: 11:08:57
